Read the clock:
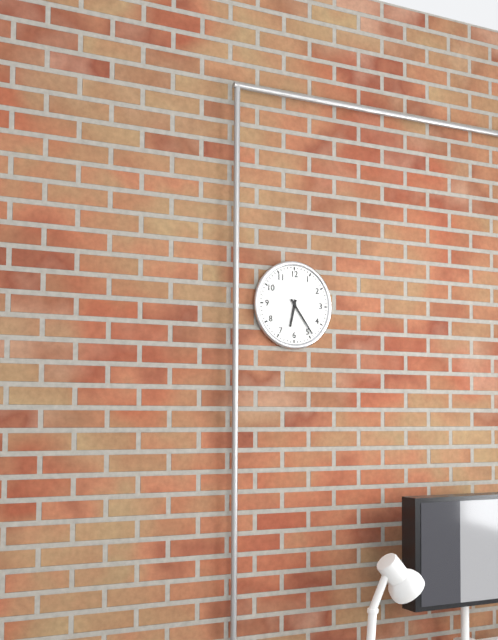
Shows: 6:24
